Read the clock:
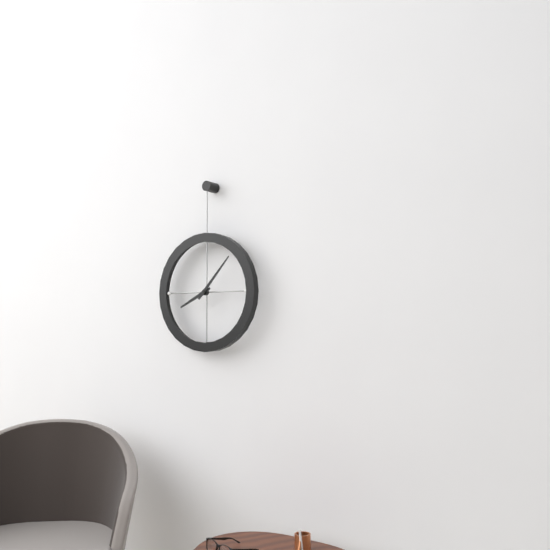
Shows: 8:07
